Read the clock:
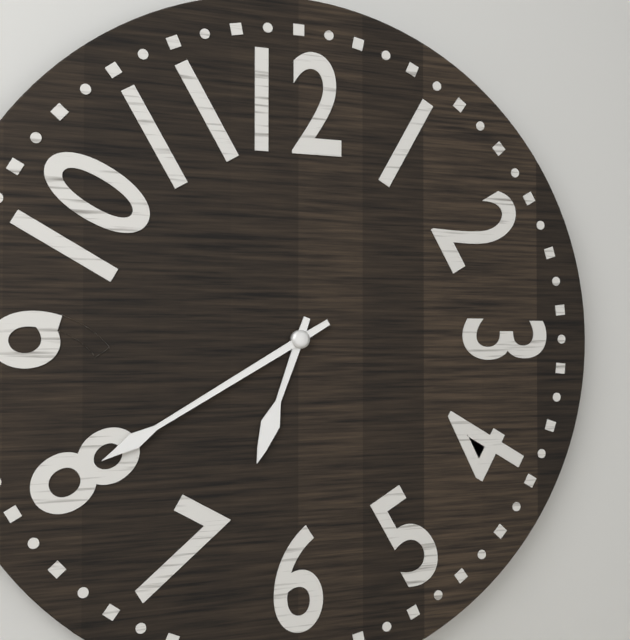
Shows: 6:40
